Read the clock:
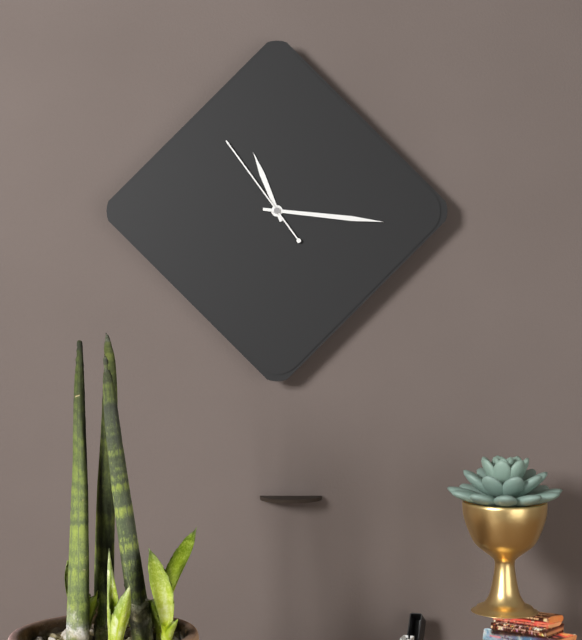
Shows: 11:16:54
